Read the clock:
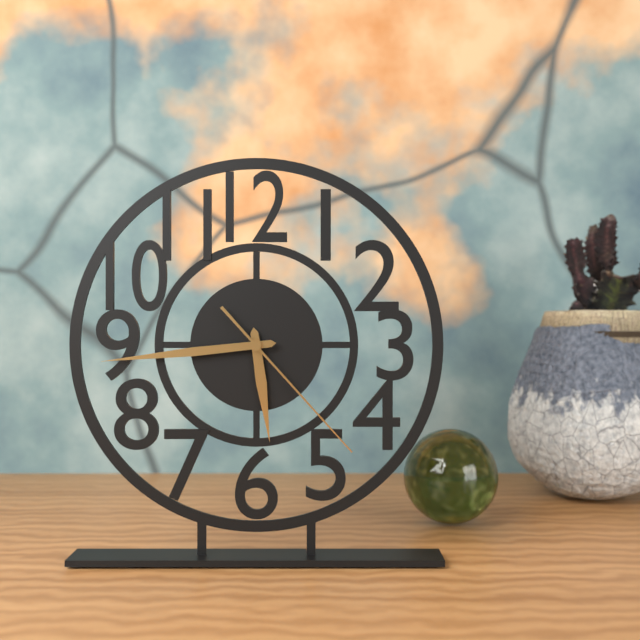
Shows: 5:44:23
